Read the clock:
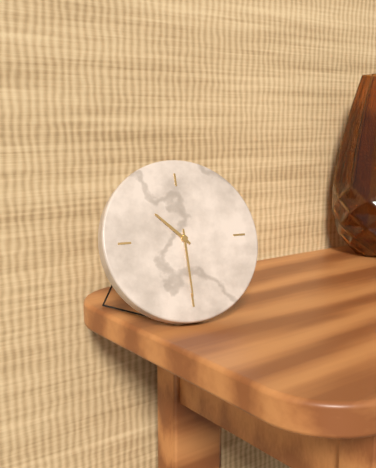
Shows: 10:30
